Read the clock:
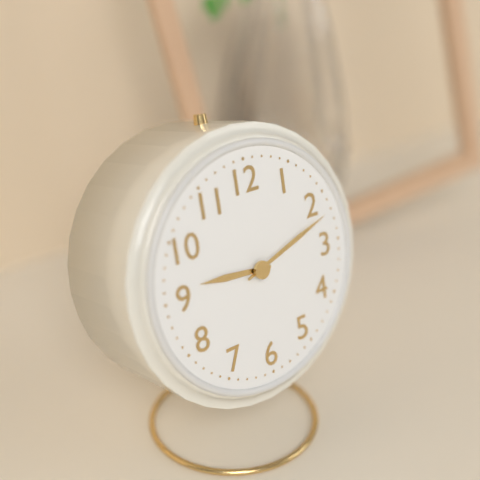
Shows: 9:12
